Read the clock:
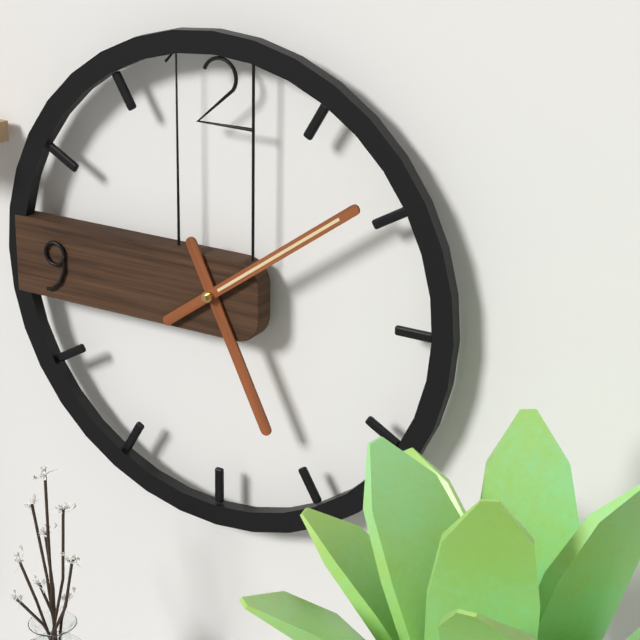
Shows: 5:09
